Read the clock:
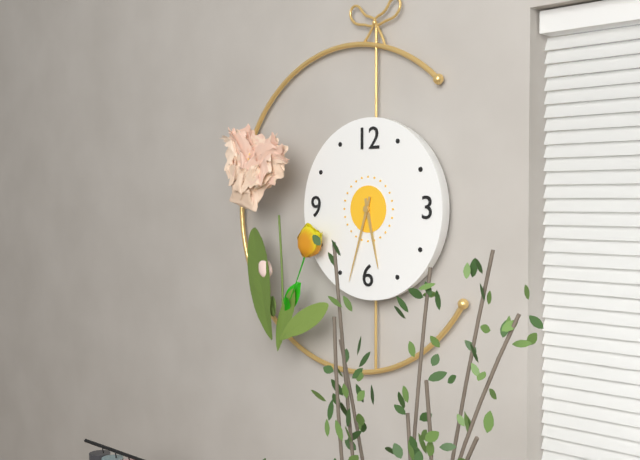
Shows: 5:33
